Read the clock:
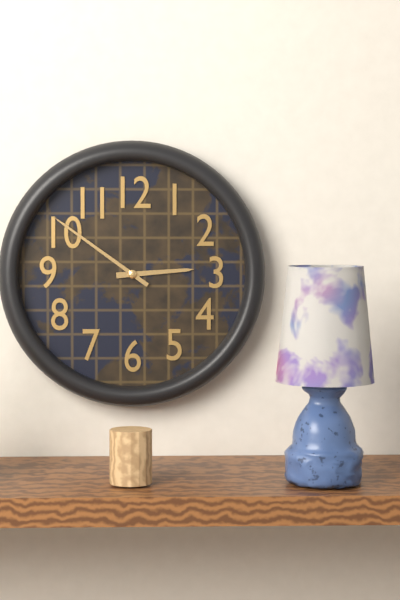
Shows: 2:51
